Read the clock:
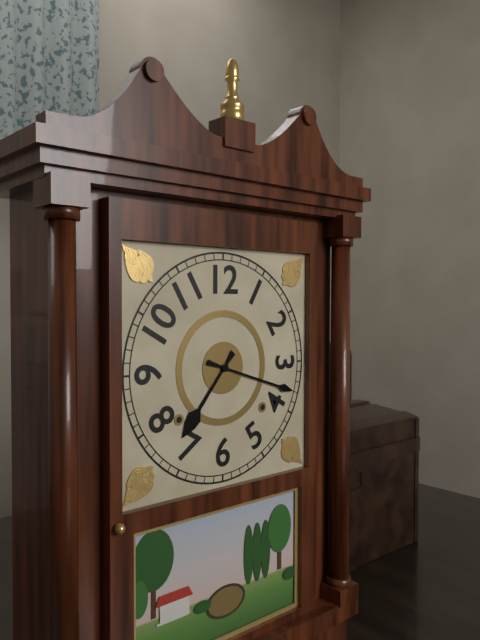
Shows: 7:18
